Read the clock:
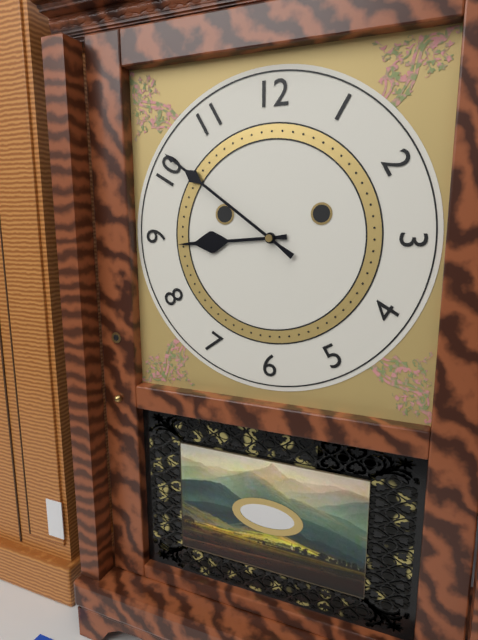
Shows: 8:51
